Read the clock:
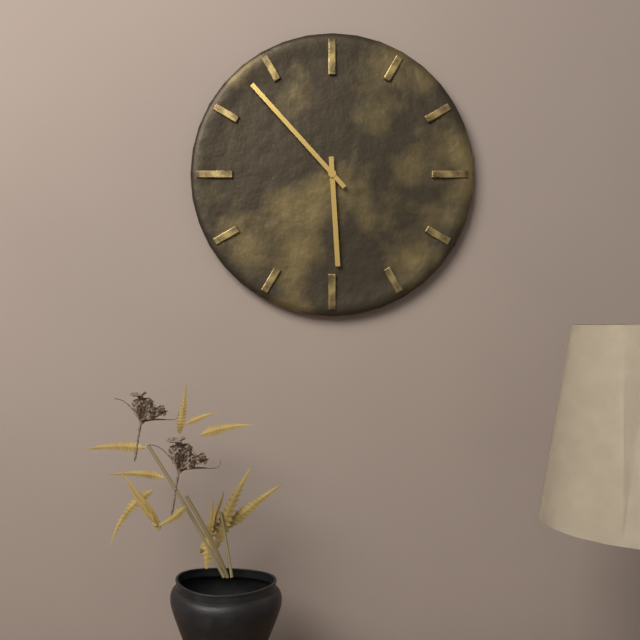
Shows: 5:53
